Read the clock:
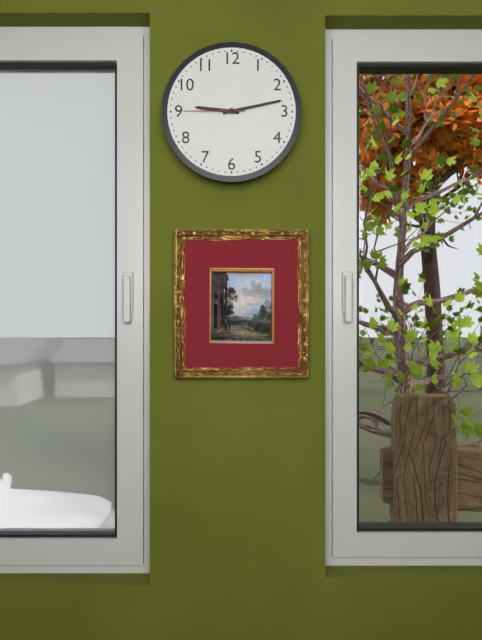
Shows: 9:13:45
